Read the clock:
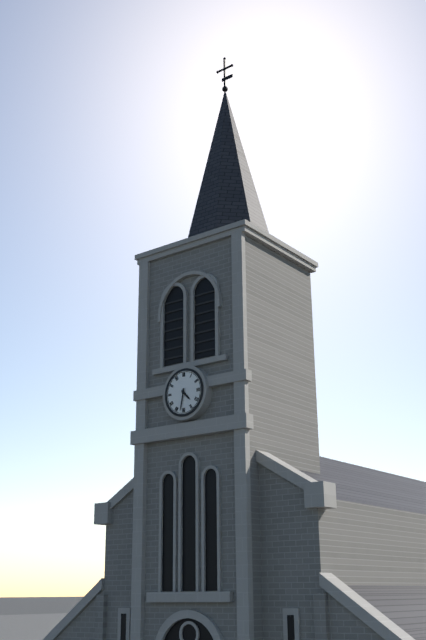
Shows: 4:32
